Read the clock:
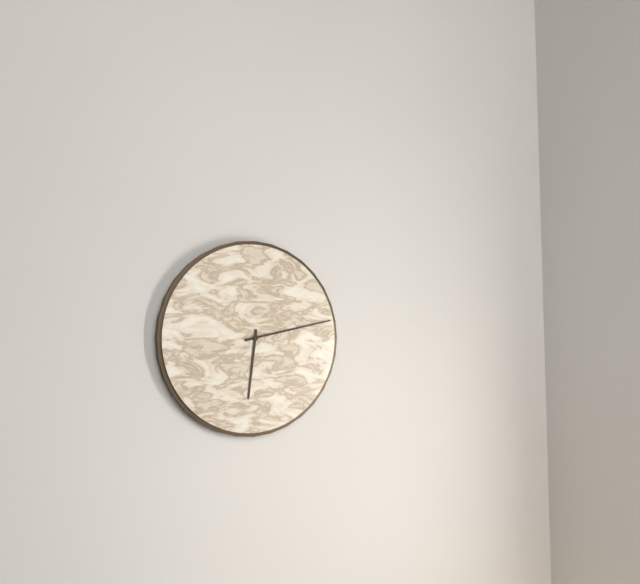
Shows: 6:13
